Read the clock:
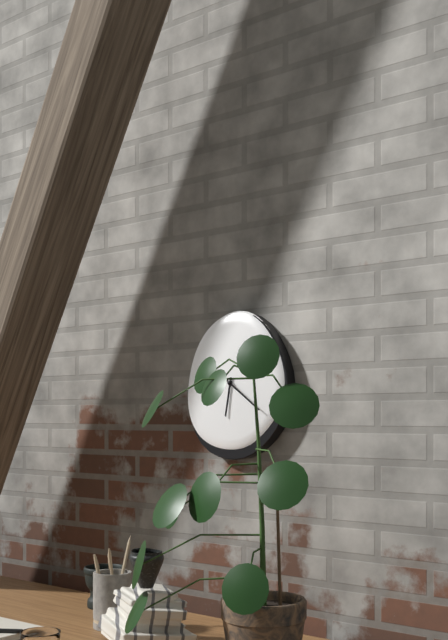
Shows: 6:21
